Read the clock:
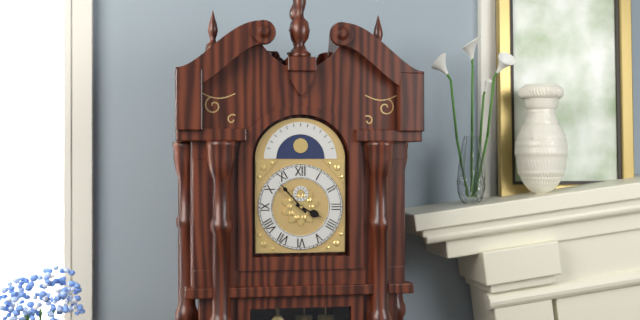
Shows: 3:53
